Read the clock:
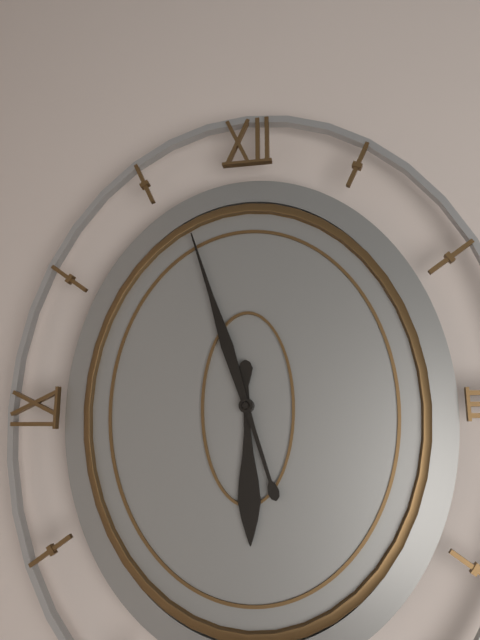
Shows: 5:57
